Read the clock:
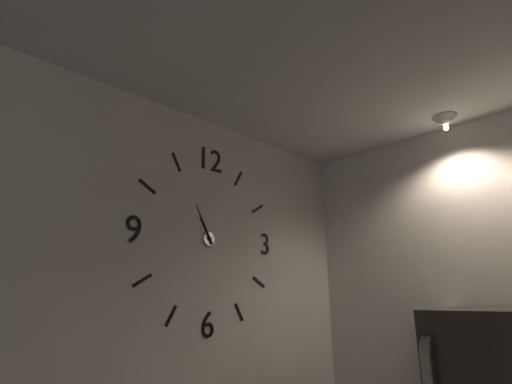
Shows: 10:55
